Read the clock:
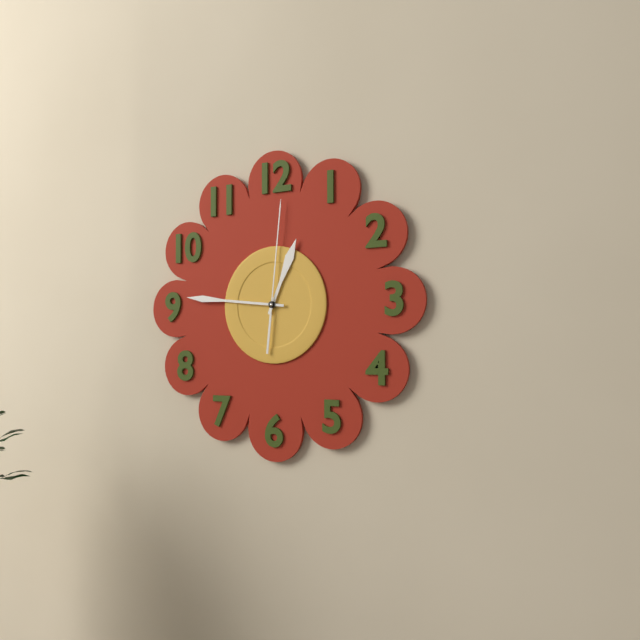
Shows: 12:46:01
